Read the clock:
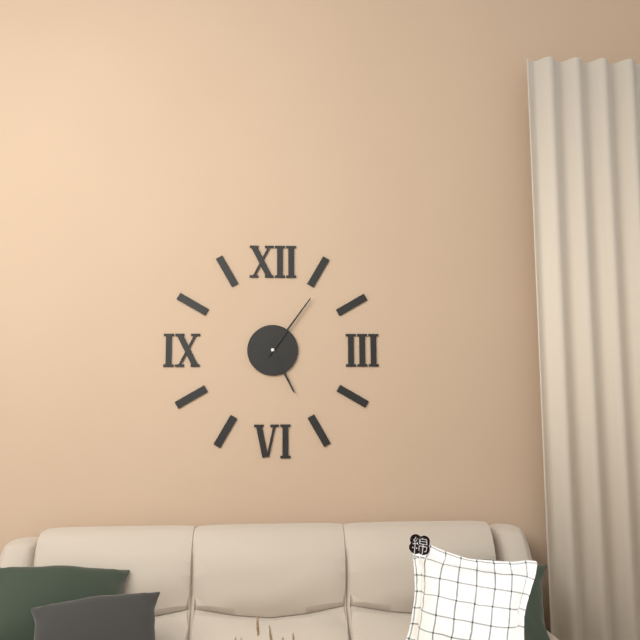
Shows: 5:06
